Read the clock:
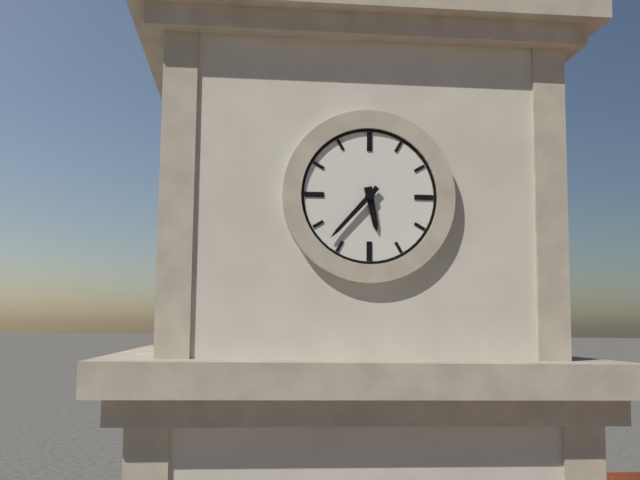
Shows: 5:37
